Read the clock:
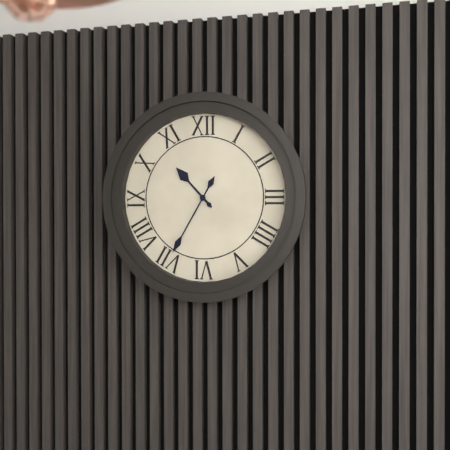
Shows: 10:35
